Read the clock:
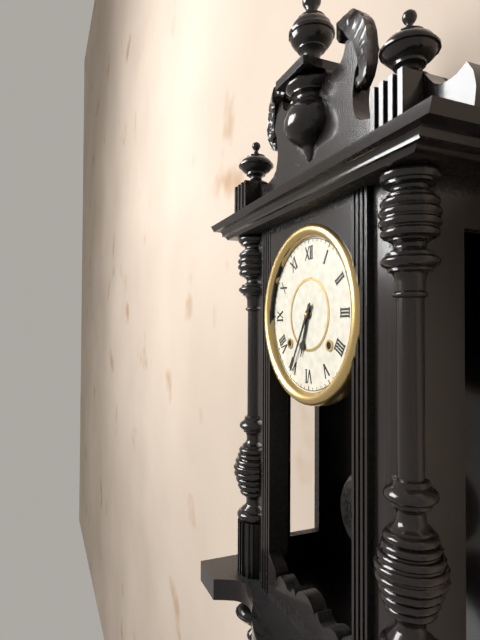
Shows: 6:35
